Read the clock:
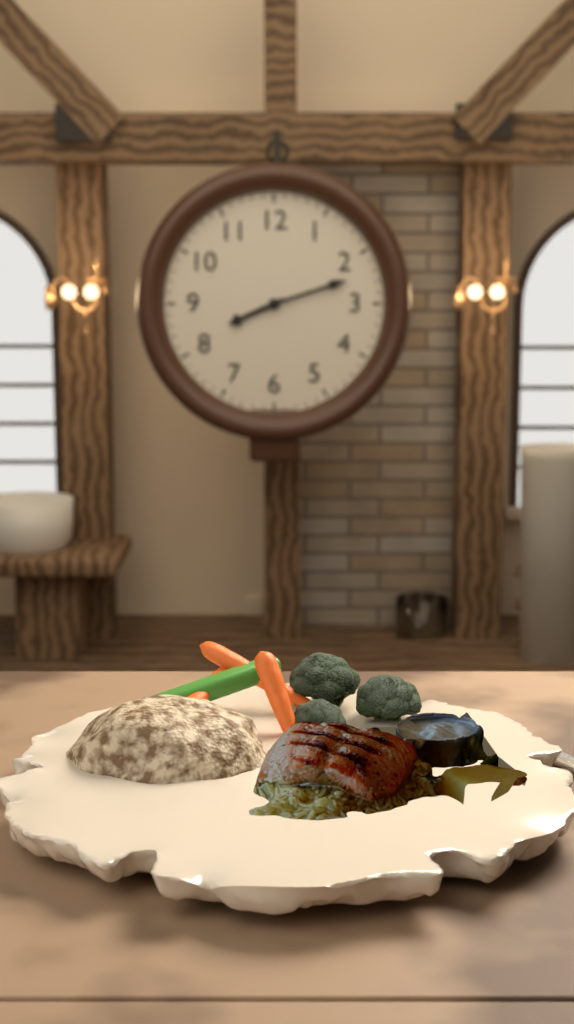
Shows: 8:12
